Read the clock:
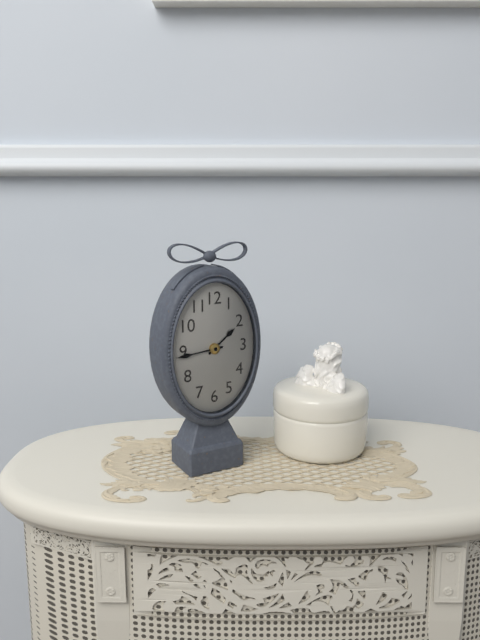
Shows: 1:44
